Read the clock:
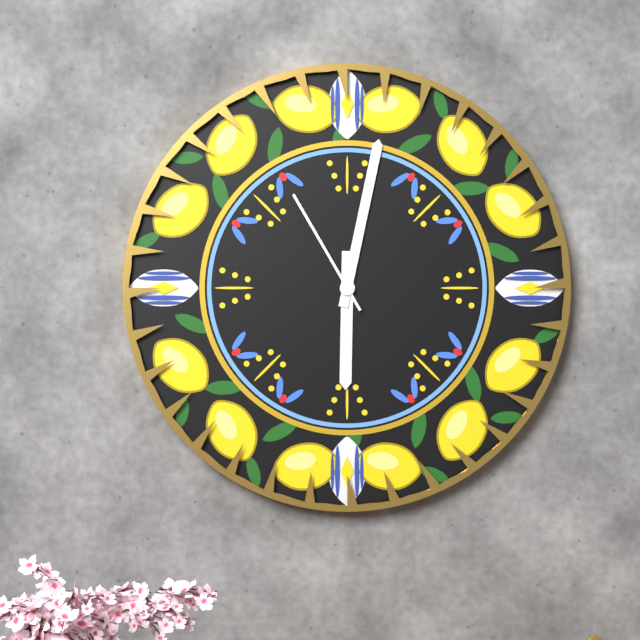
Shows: 6:02:55
